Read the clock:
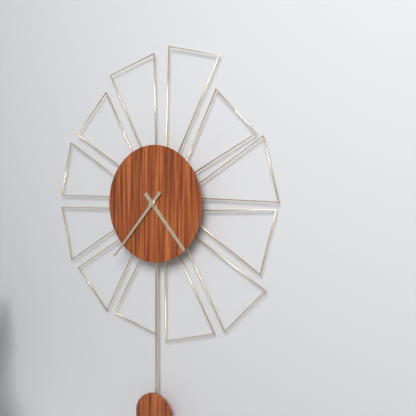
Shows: 4:37
